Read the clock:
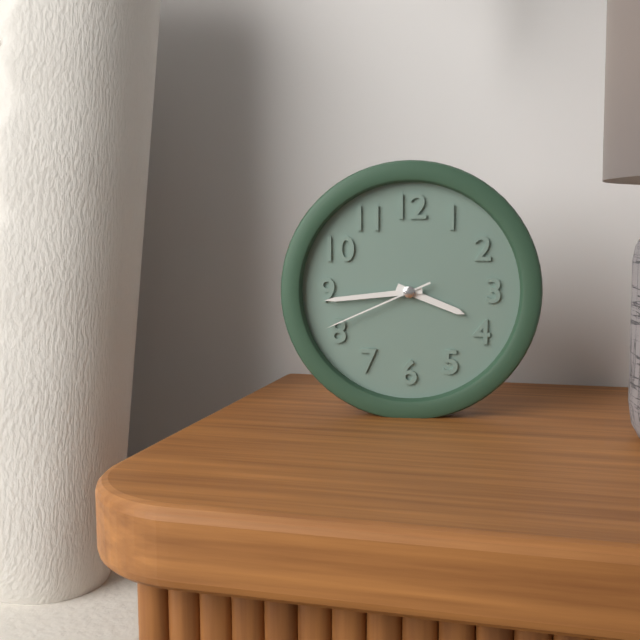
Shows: 3:44:41
